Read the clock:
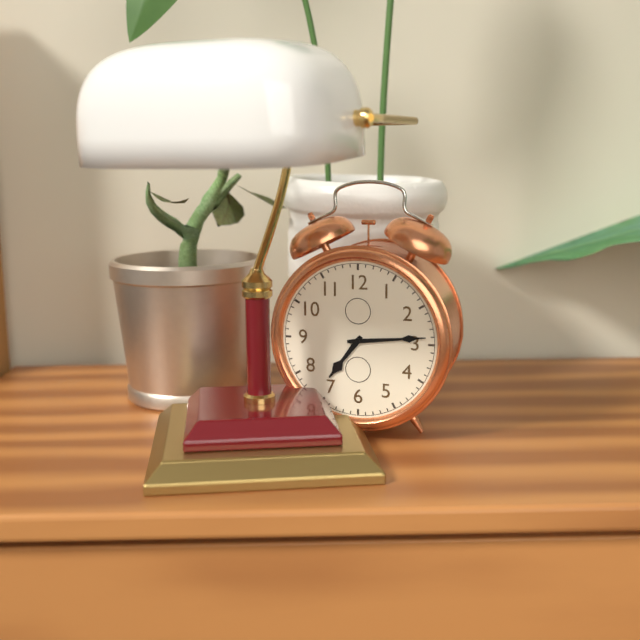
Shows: 7:14
